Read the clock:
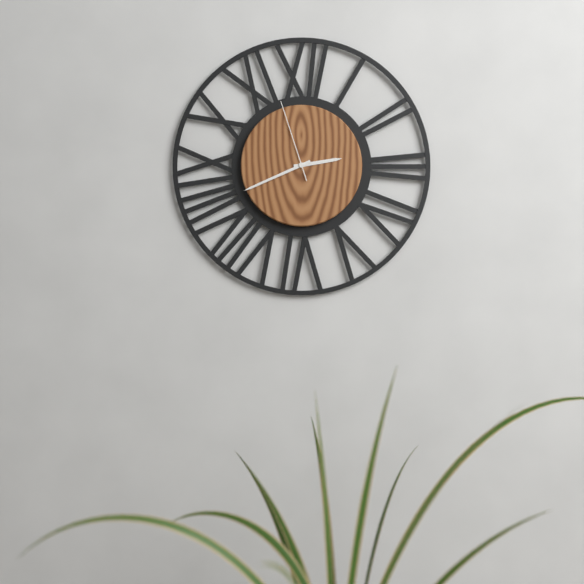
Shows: 2:41:57
